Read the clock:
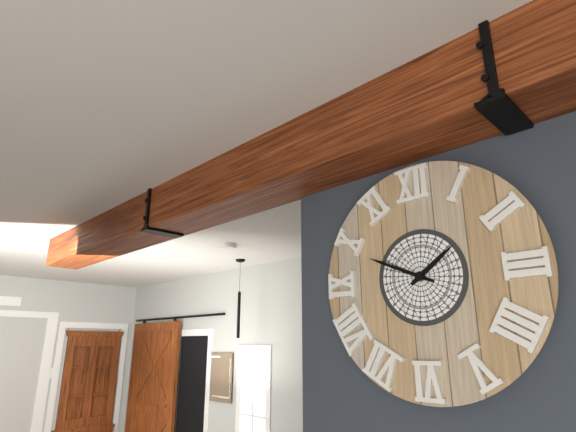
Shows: 1:49
